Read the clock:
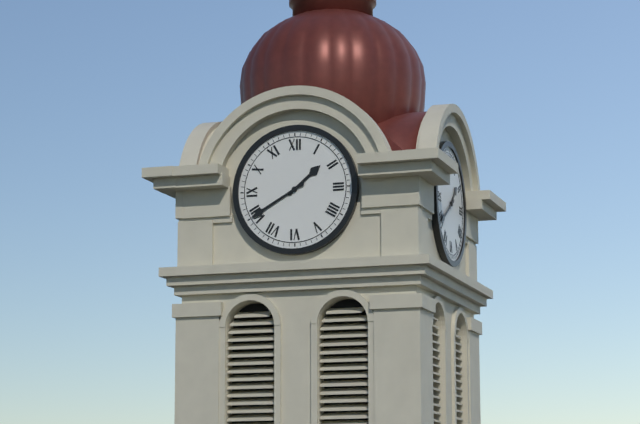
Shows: 1:40
